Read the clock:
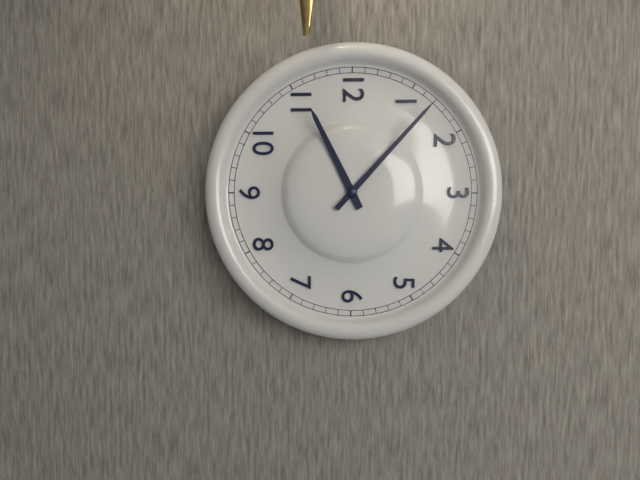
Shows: 11:07
